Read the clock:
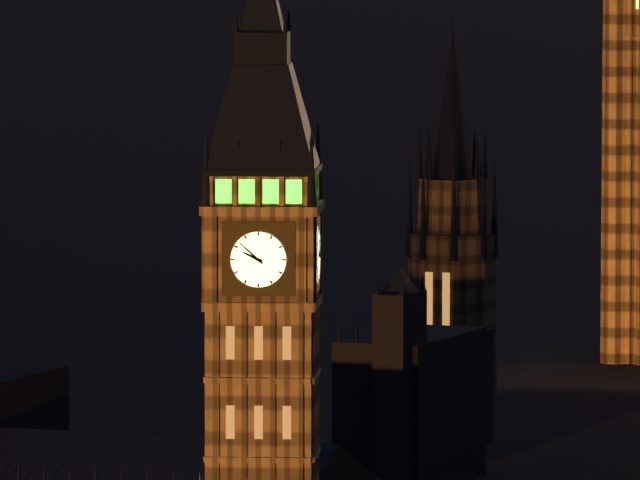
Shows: 9:52
